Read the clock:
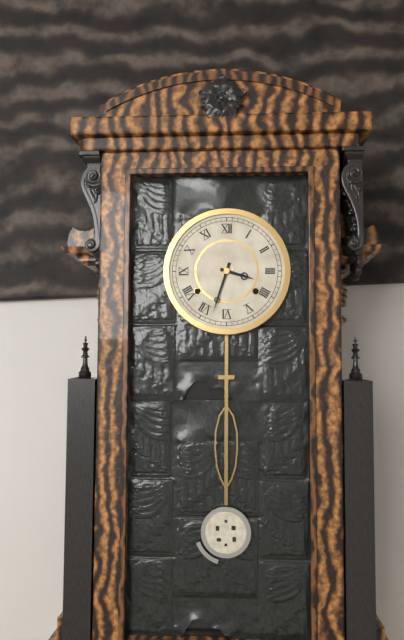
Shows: 3:33
